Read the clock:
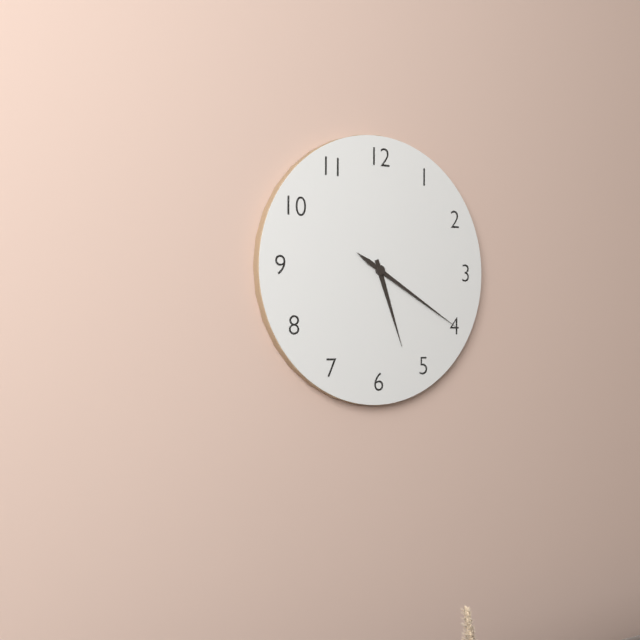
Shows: 5:20
